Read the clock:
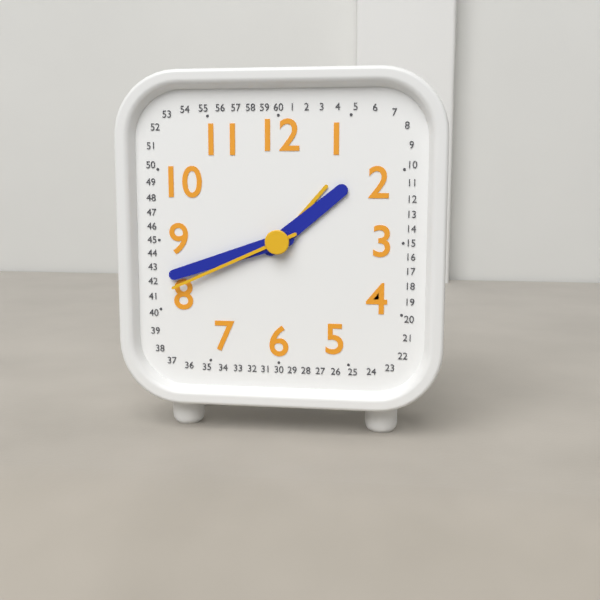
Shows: 1:42:41
